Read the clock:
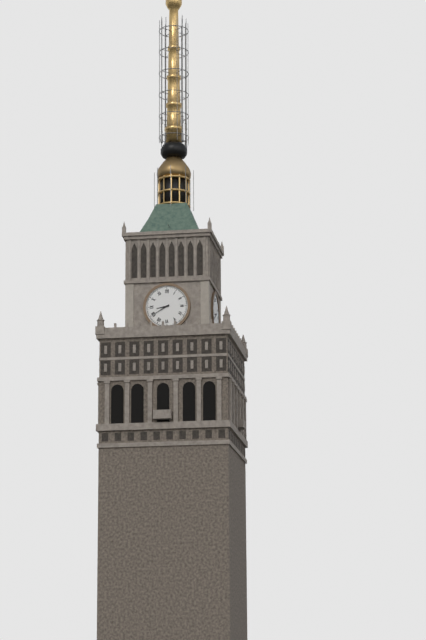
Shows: 8:40
